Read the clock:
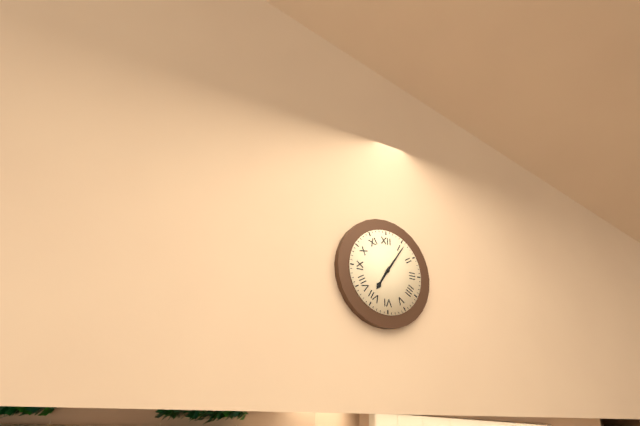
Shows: 7:06
